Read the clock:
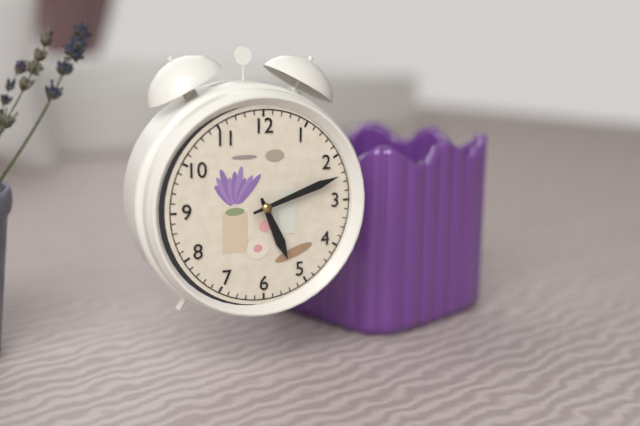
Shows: 5:12
